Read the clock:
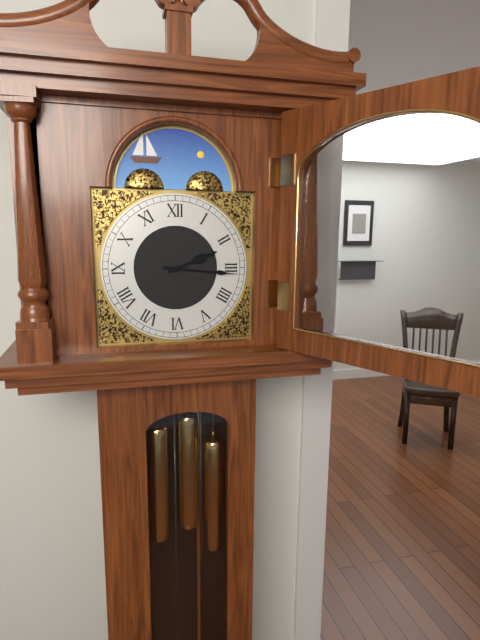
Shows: 2:16
